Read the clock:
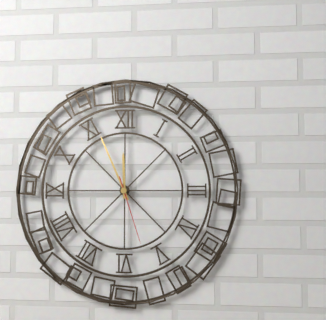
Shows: 11:56:27
